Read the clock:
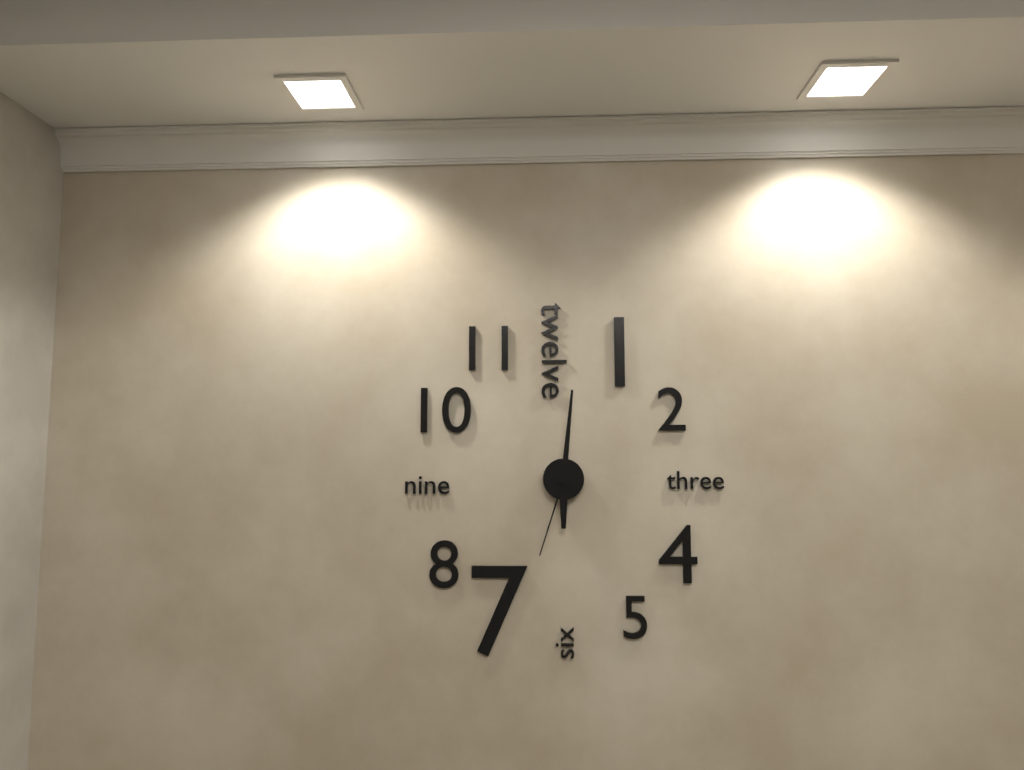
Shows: 6:01:33
